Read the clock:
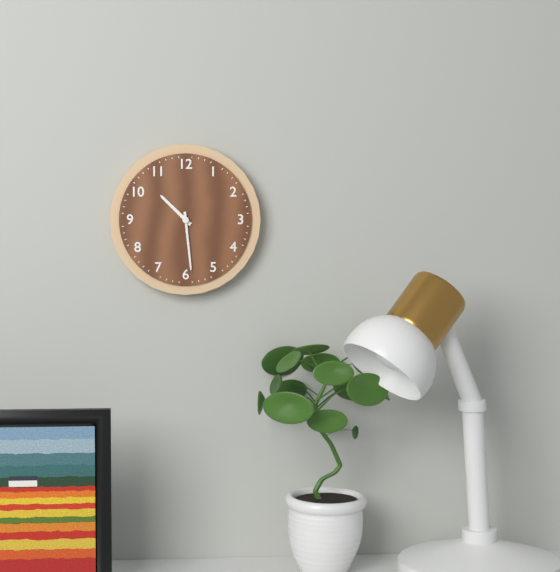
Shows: 10:29
